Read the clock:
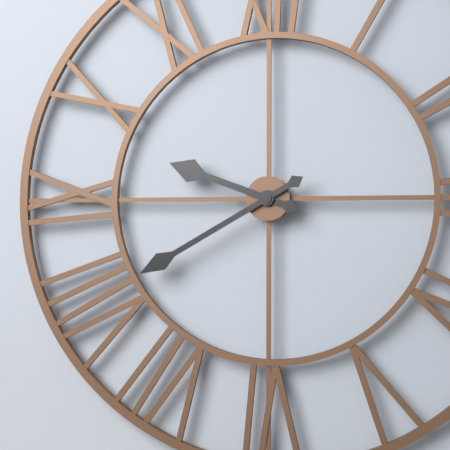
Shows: 9:40
